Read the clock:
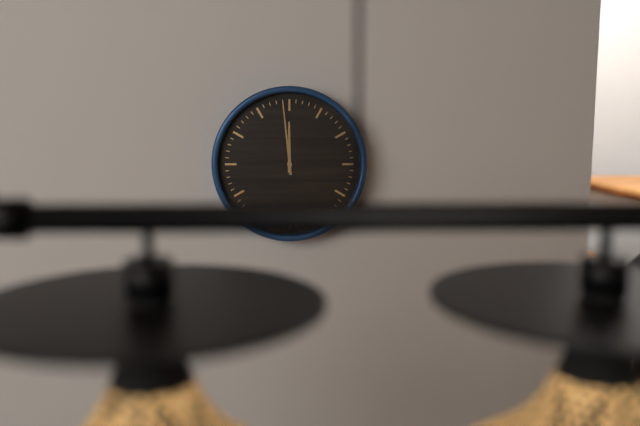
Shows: 11:59
